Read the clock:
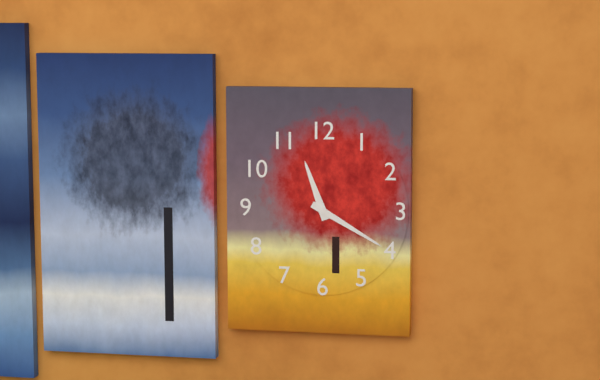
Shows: 11:20
